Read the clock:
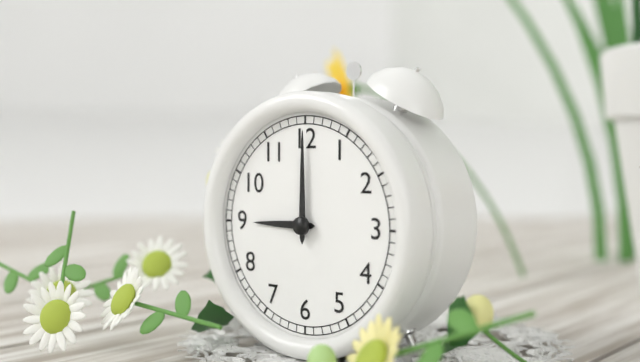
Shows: 9:00
